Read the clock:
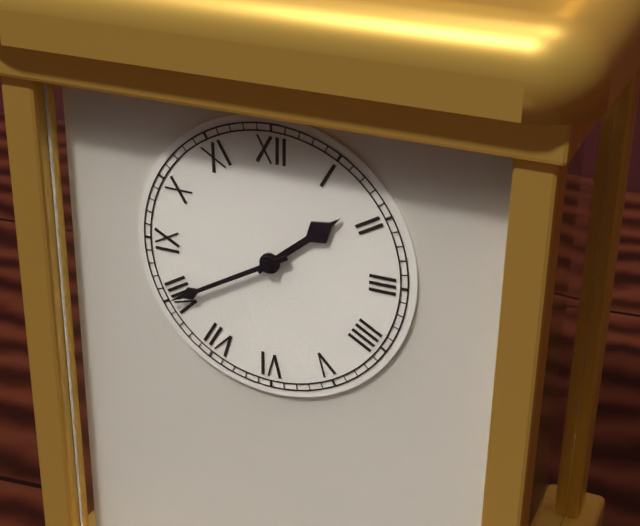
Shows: 1:40
